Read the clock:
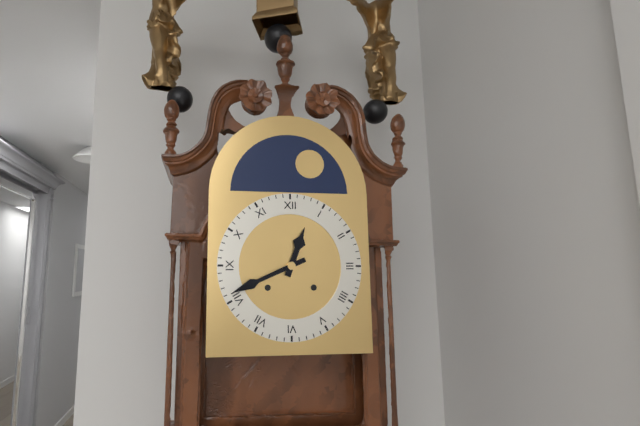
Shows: 12:41
